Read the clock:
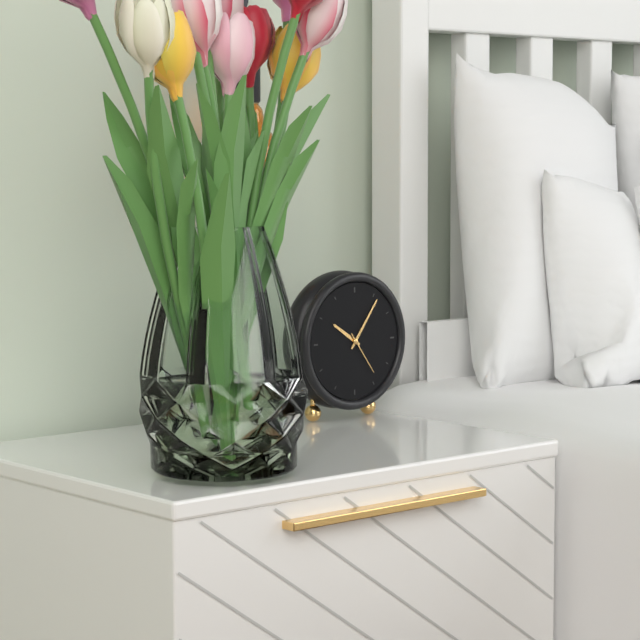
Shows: 10:06
